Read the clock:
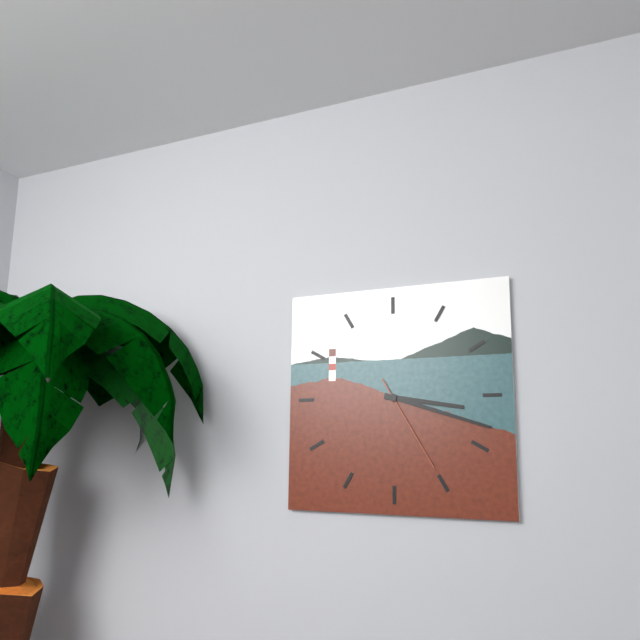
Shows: 3:18:25
